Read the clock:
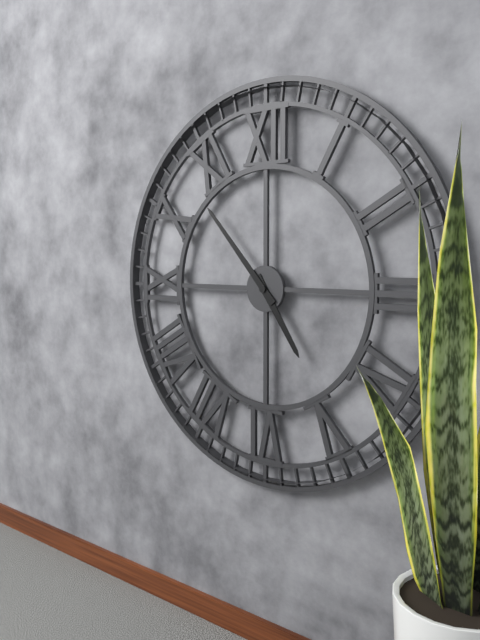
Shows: 4:53
